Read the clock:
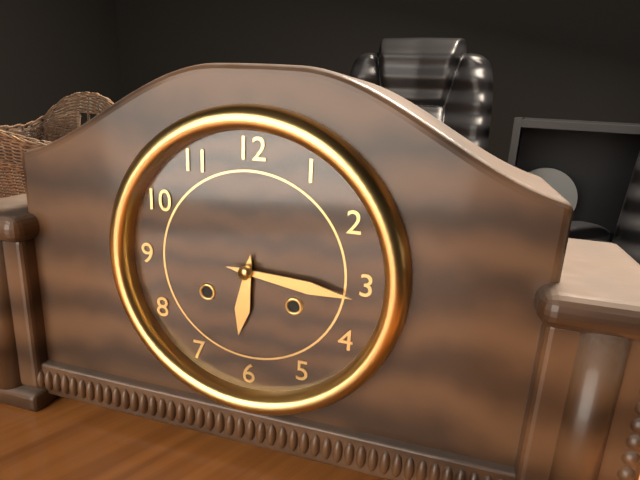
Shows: 6:16
